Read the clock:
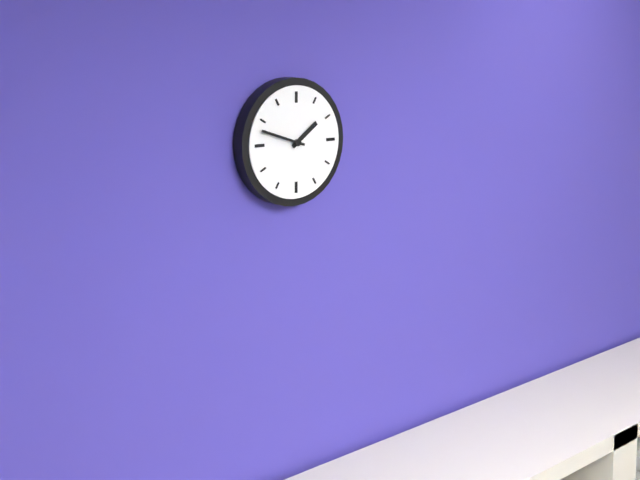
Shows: 1:48
